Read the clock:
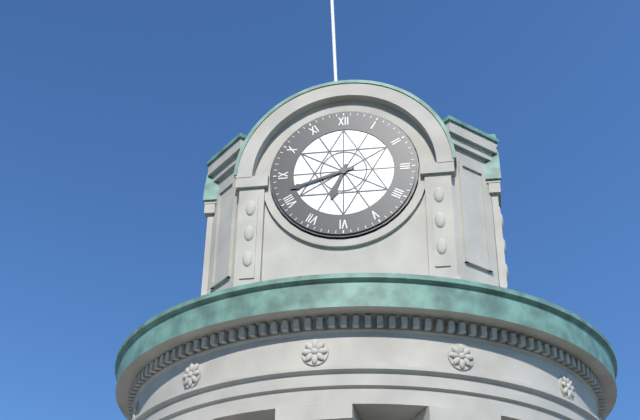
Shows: 6:42
